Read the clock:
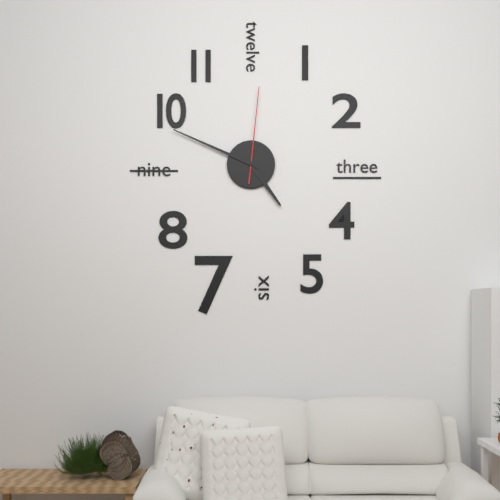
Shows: 4:49:01
